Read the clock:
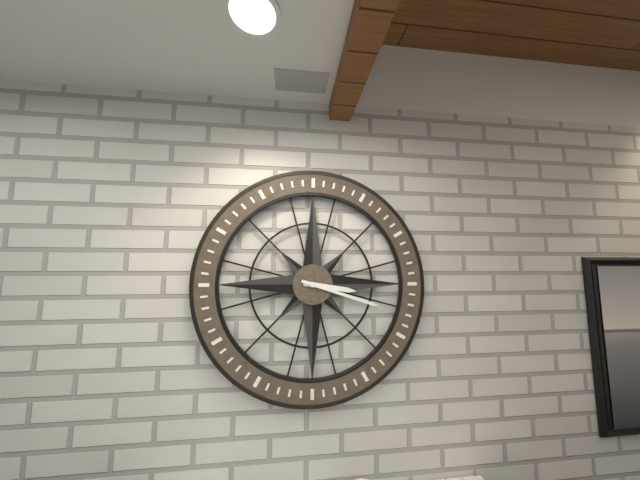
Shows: 3:18
